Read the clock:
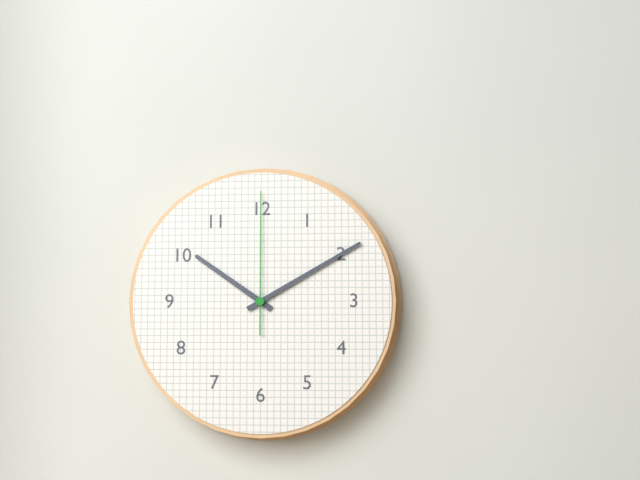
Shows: 10:10:00
